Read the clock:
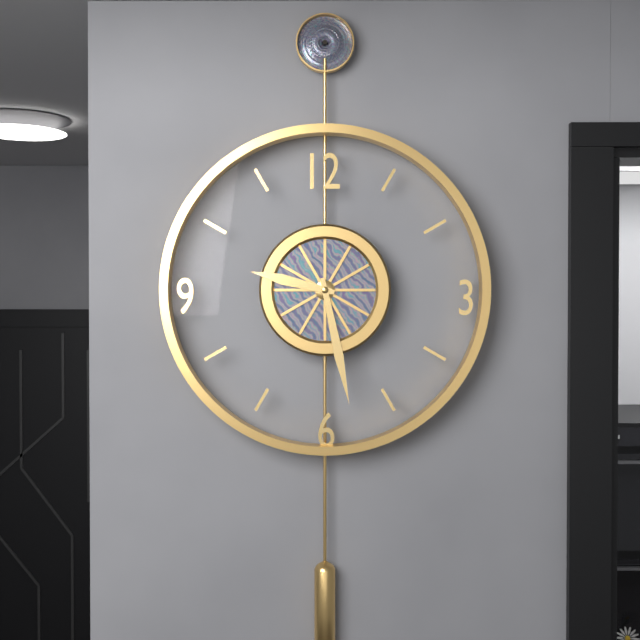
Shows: 9:28
